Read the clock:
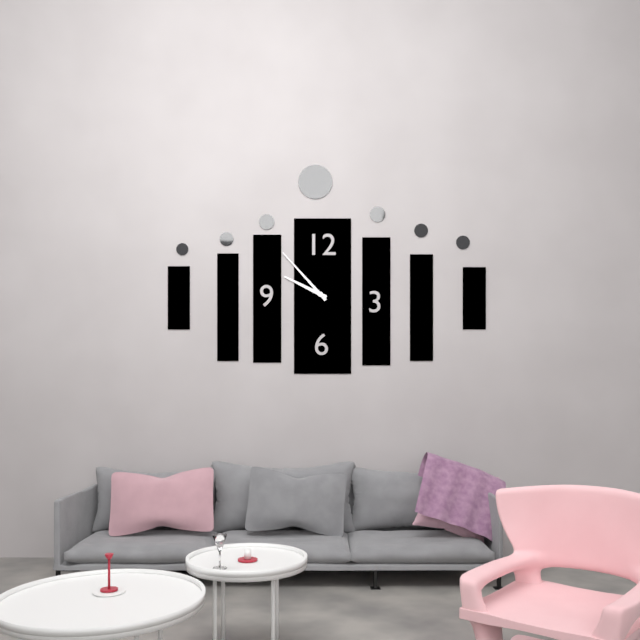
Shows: 9:53
